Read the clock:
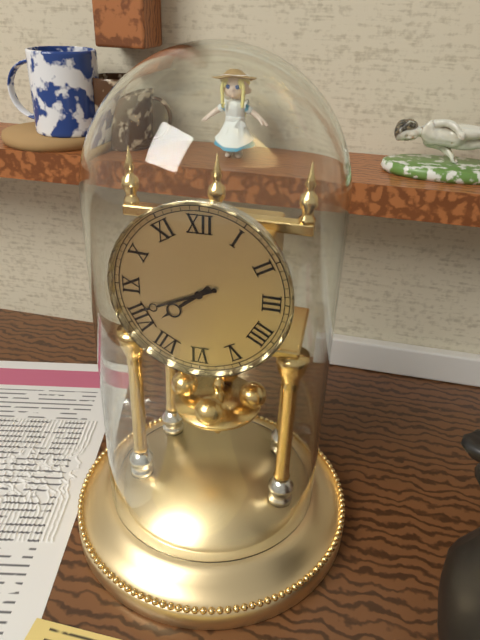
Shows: 7:41
